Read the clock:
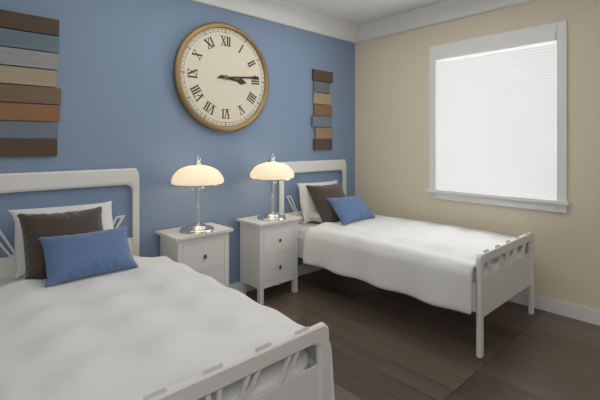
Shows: 3:14
